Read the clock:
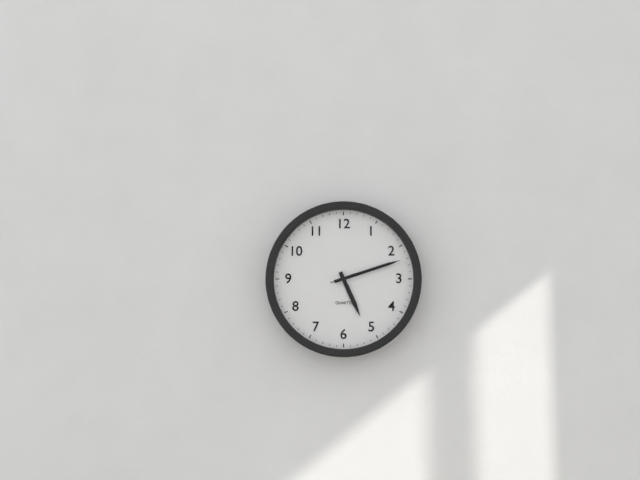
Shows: 5:12:12
